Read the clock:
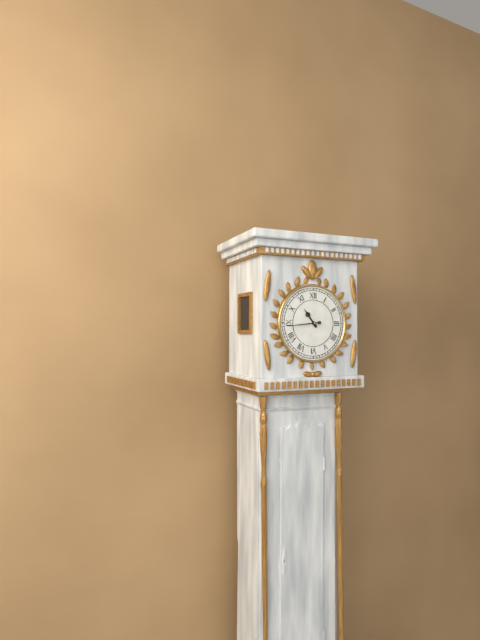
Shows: 10:44
